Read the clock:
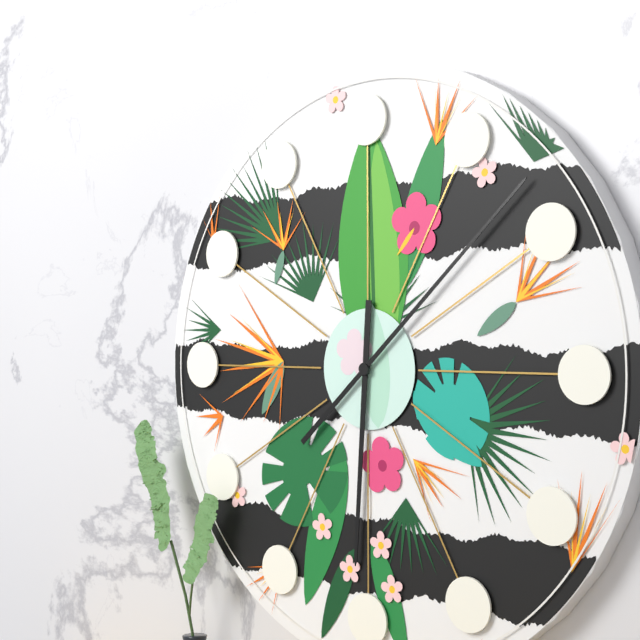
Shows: 6:08
